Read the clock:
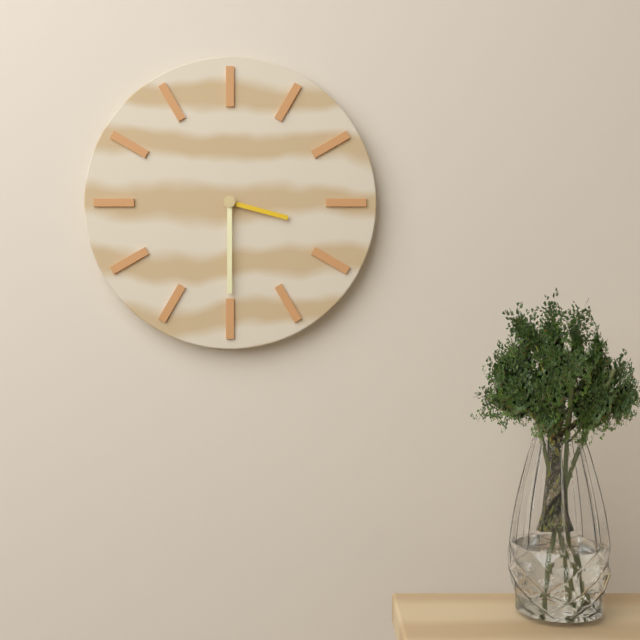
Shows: 3:30
